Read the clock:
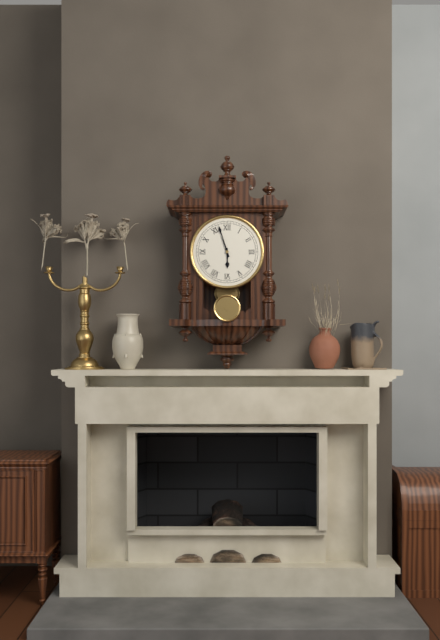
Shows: 5:57
